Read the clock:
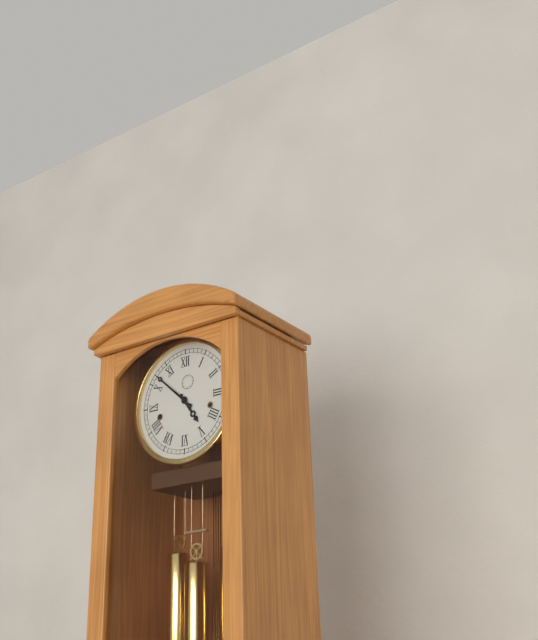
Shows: 4:52
